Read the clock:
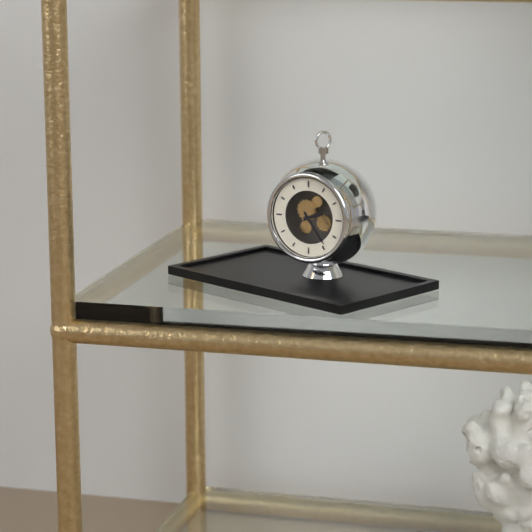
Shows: 2:24
